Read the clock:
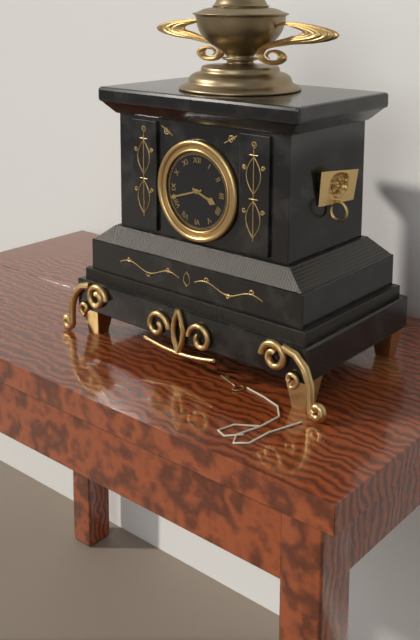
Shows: 3:42
